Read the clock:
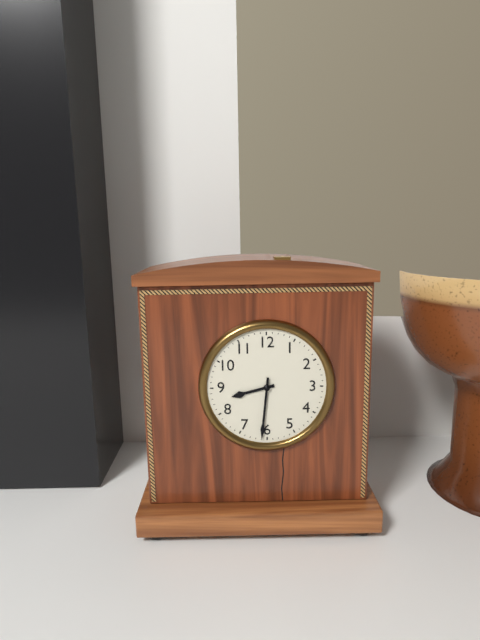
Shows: 8:31
